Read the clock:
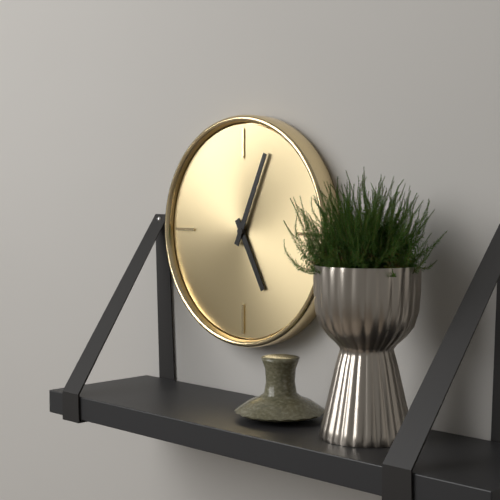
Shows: 5:04
